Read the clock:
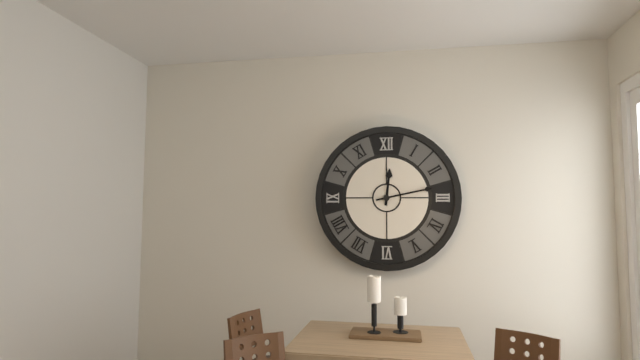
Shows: 12:13
